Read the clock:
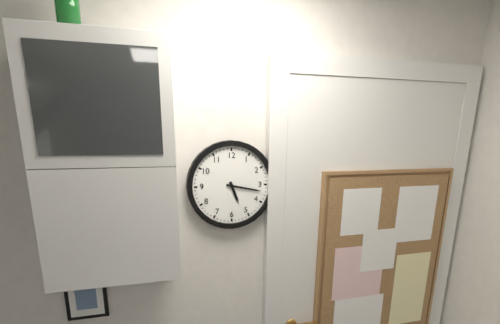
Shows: 5:17
